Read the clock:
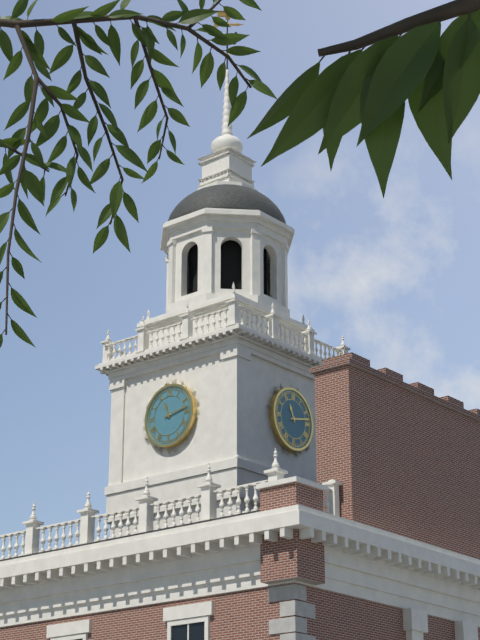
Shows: 11:13
